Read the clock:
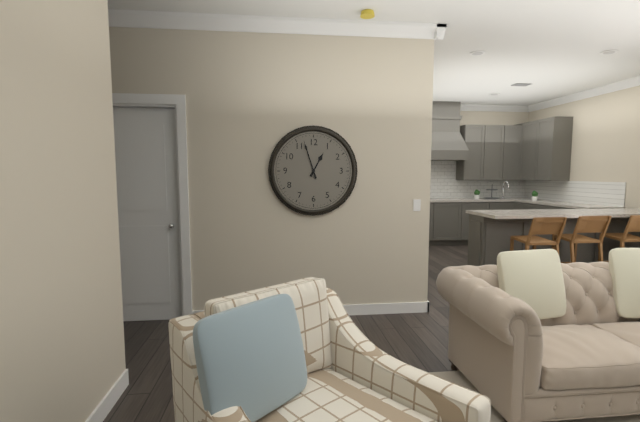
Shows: 12:57
